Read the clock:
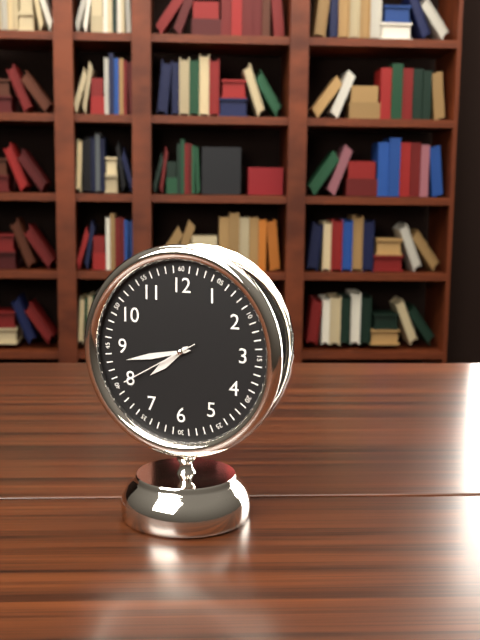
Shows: 7:43:40
